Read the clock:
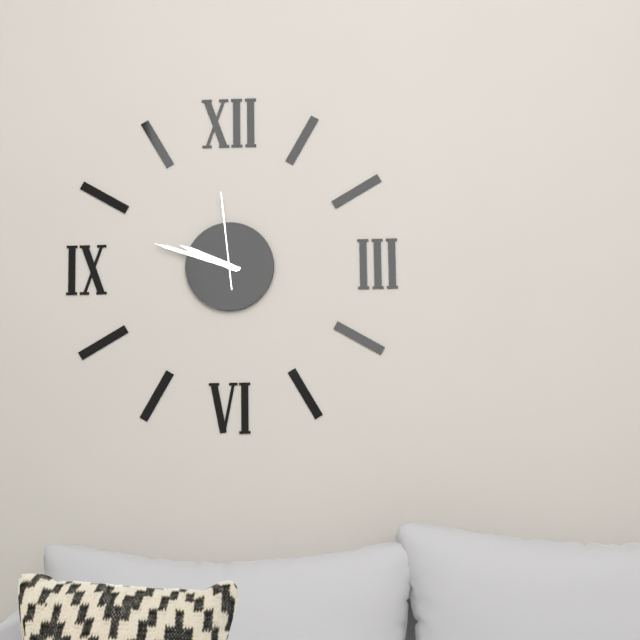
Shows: 9:48:59
